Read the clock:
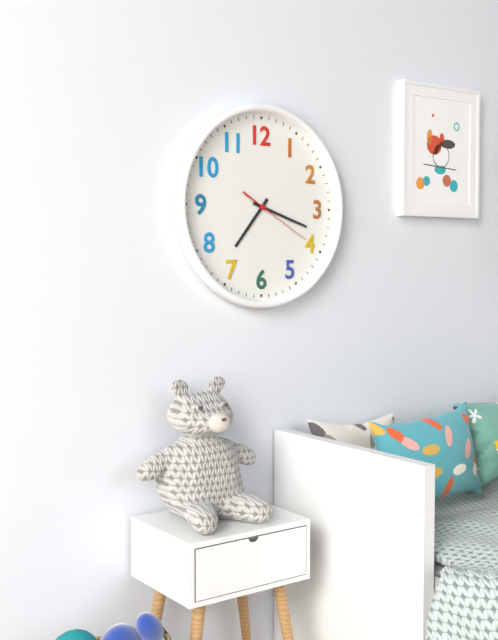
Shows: 7:18:20
